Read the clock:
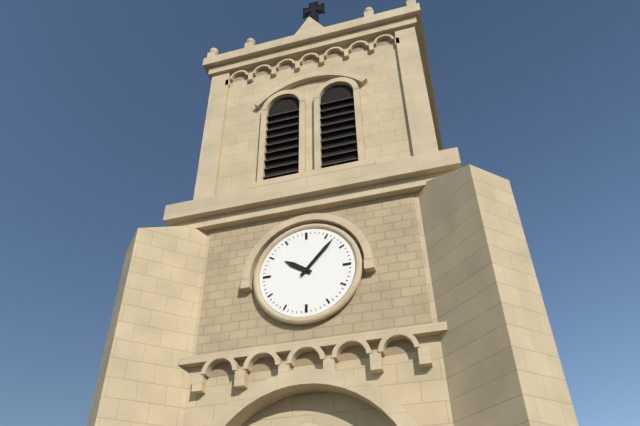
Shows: 10:07
